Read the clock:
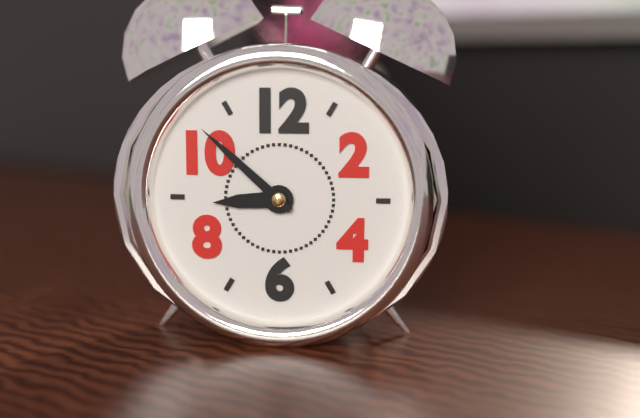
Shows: 8:52
